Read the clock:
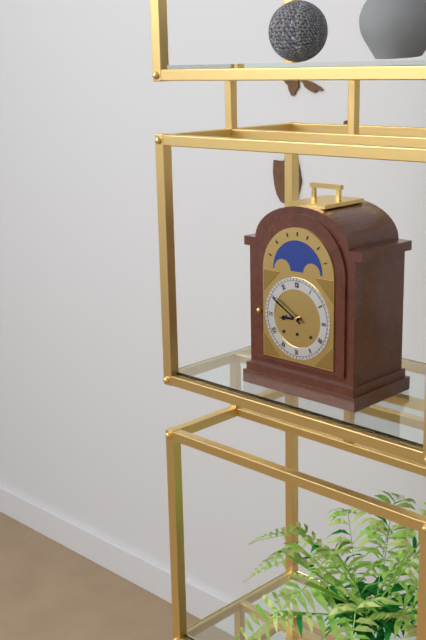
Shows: 8:50
